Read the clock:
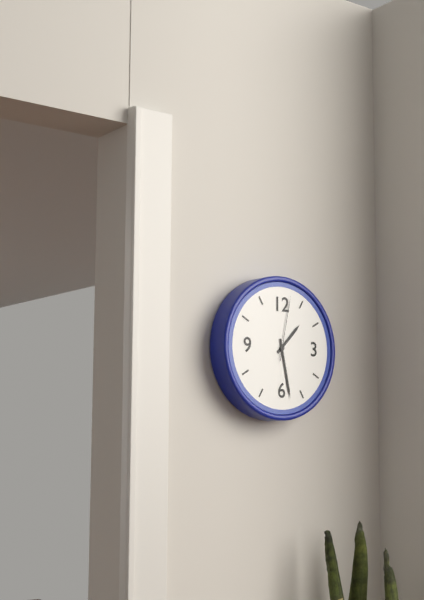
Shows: 1:28:02
